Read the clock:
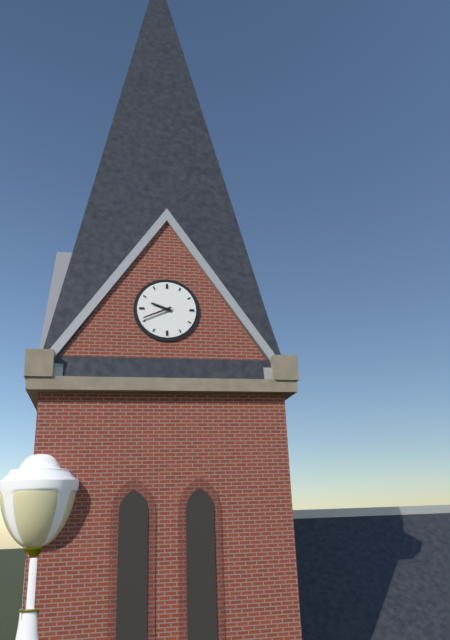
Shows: 9:41
